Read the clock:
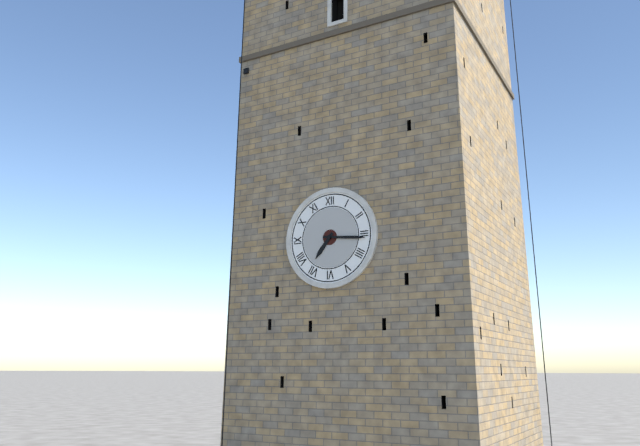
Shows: 7:16
